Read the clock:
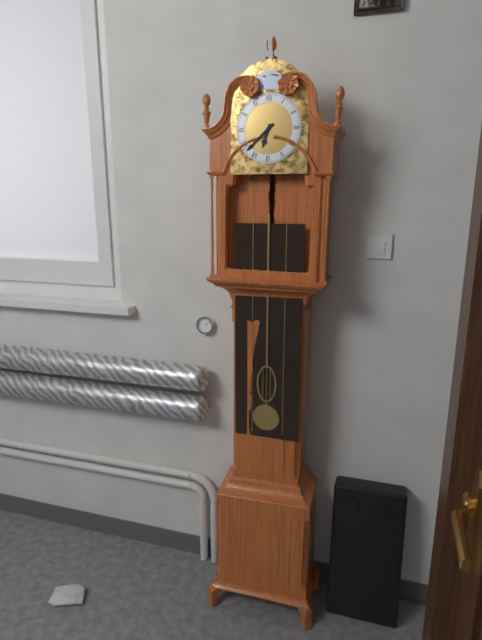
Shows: 6:38
